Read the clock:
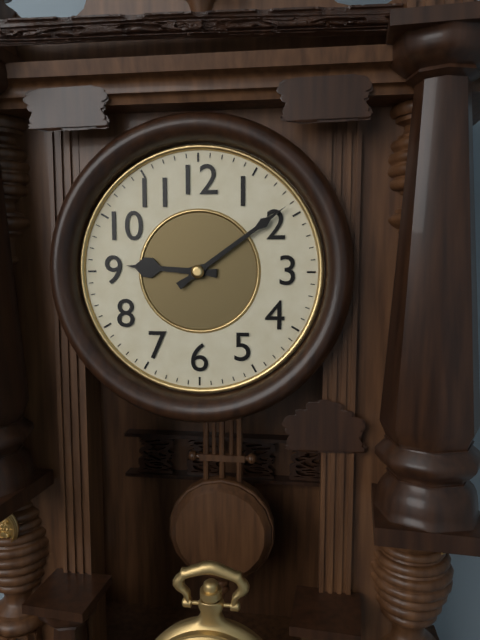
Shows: 9:09
